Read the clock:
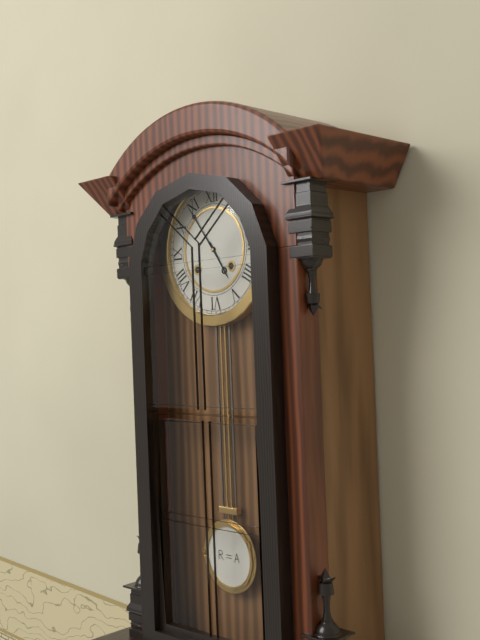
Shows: 4:54
